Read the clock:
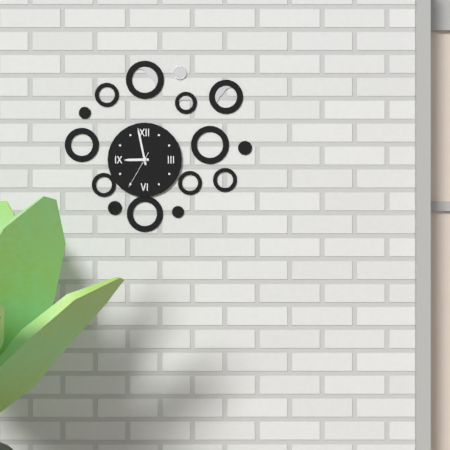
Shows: 8:58
